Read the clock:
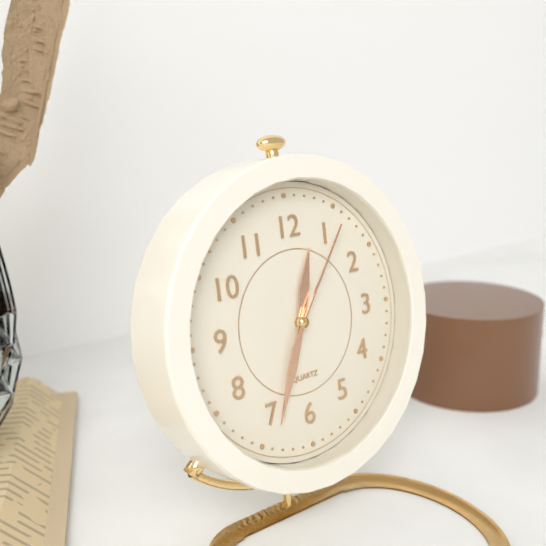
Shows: 12:34:06
